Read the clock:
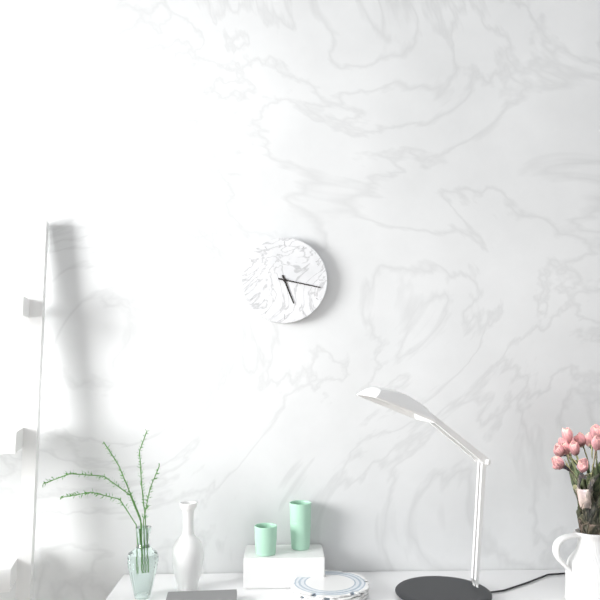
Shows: 5:17
